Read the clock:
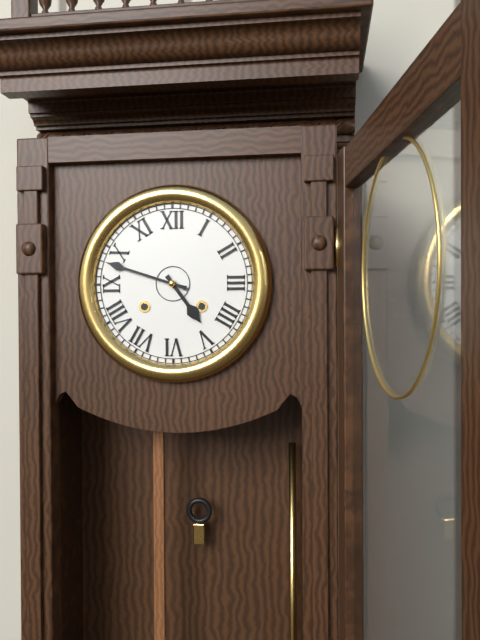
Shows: 4:48
